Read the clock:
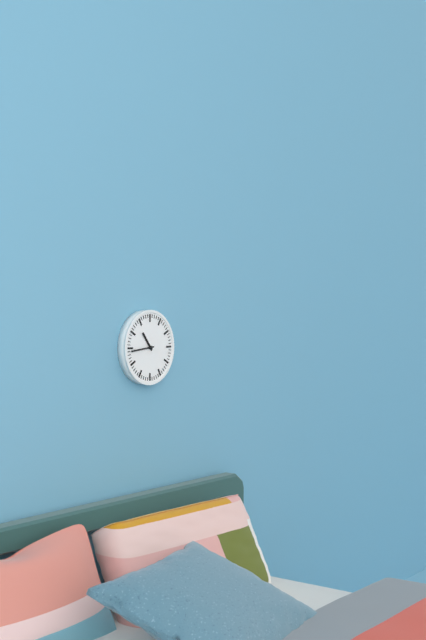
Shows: 10:44
